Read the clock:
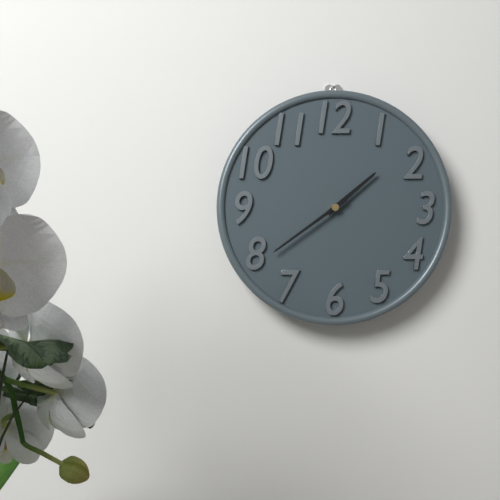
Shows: 1:39
